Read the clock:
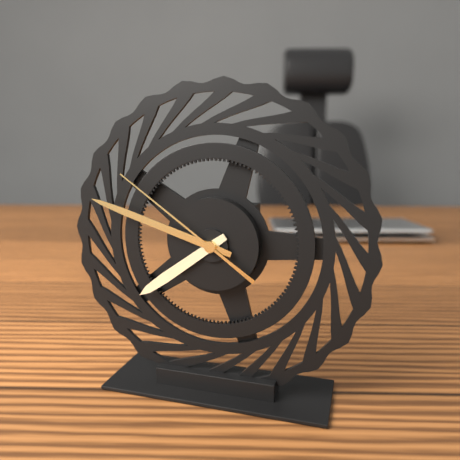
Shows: 7:48:51
